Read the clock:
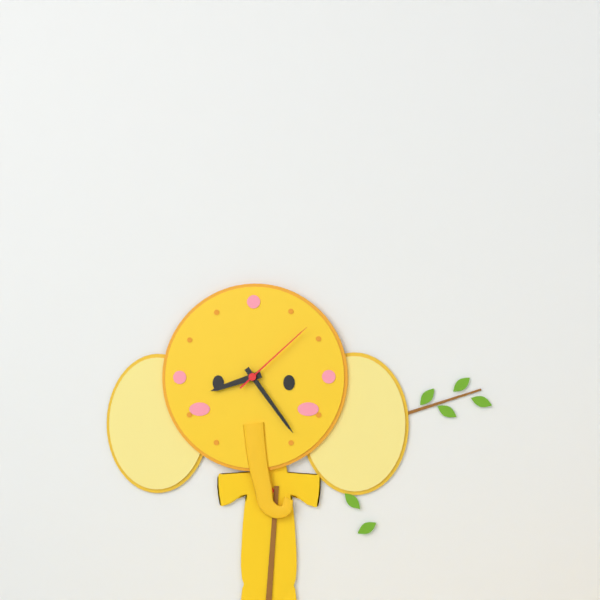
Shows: 8:24:08
